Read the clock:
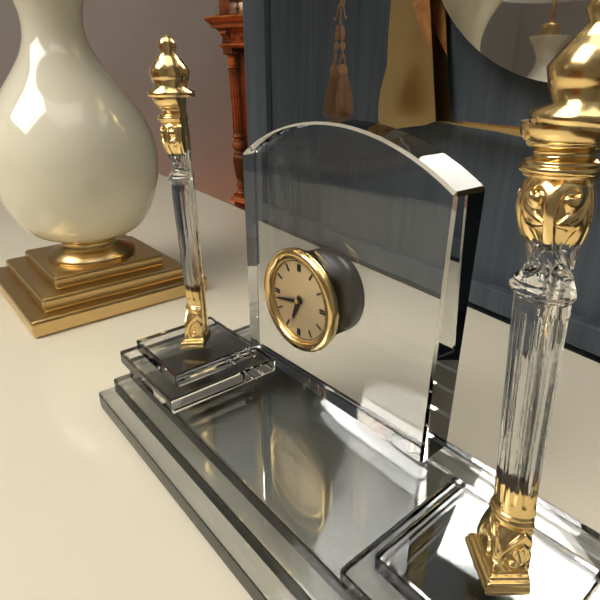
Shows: 6:43
